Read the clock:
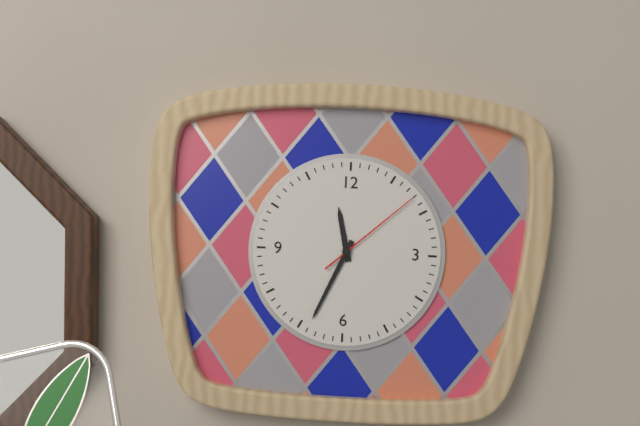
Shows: 11:34:08
